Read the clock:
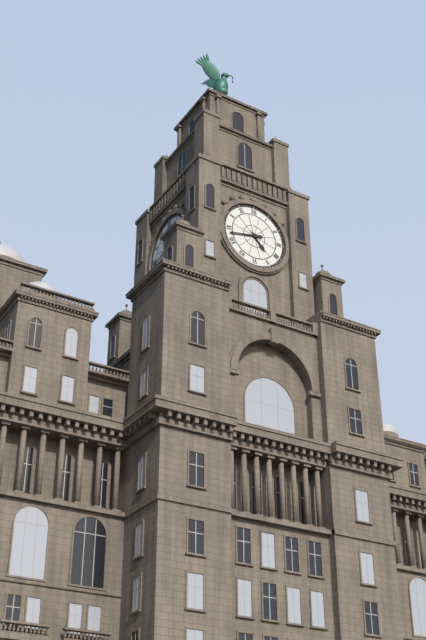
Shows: 4:43
